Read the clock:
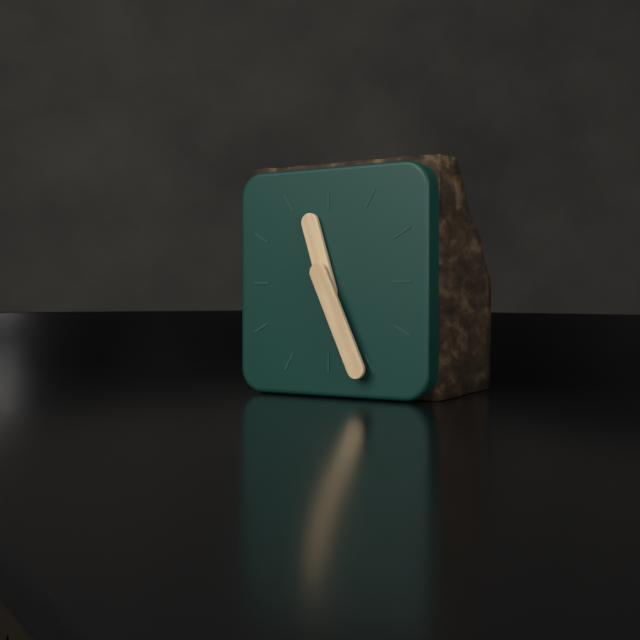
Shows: 11:26
